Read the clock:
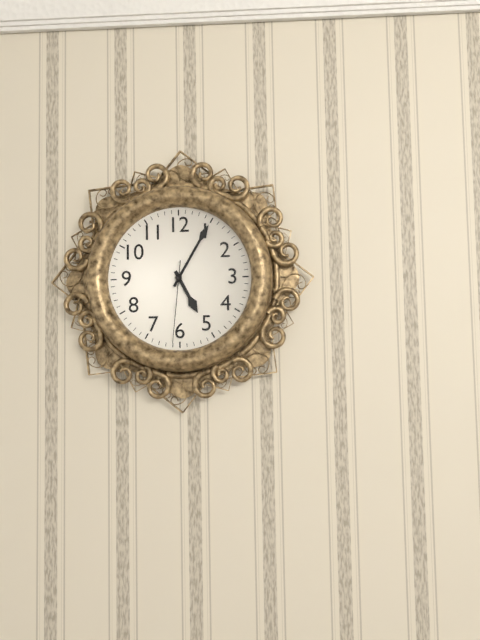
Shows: 5:05:31
